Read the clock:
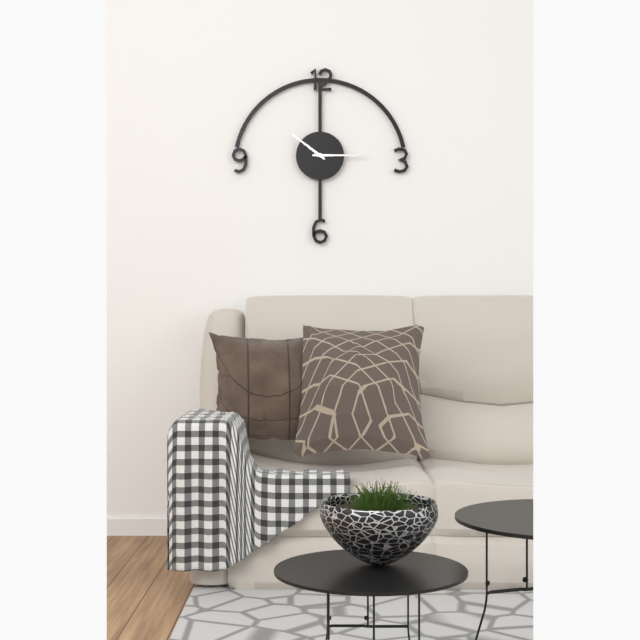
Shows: 10:15
